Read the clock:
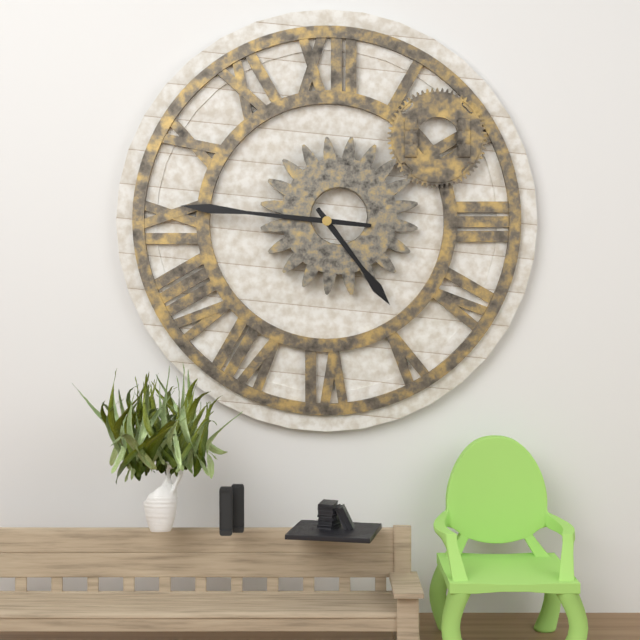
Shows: 4:46
